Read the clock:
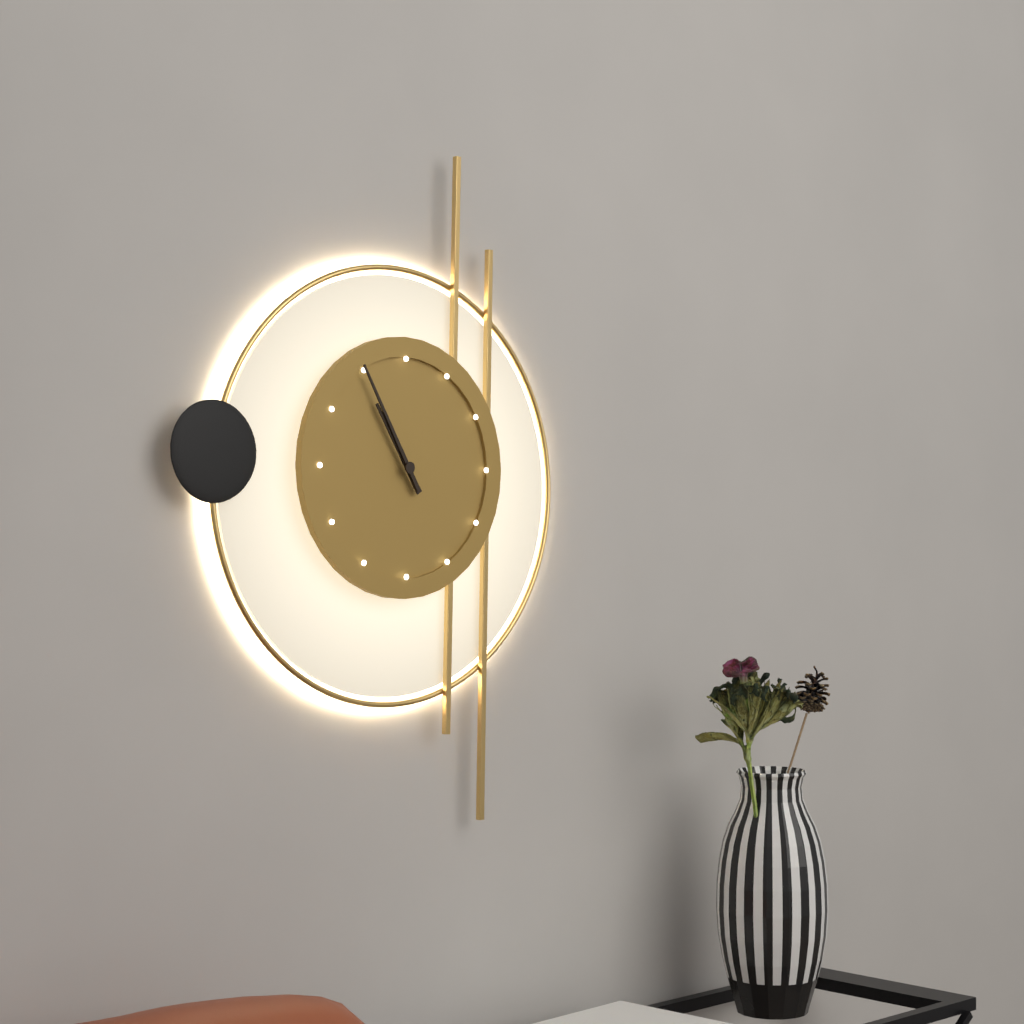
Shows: 10:55
